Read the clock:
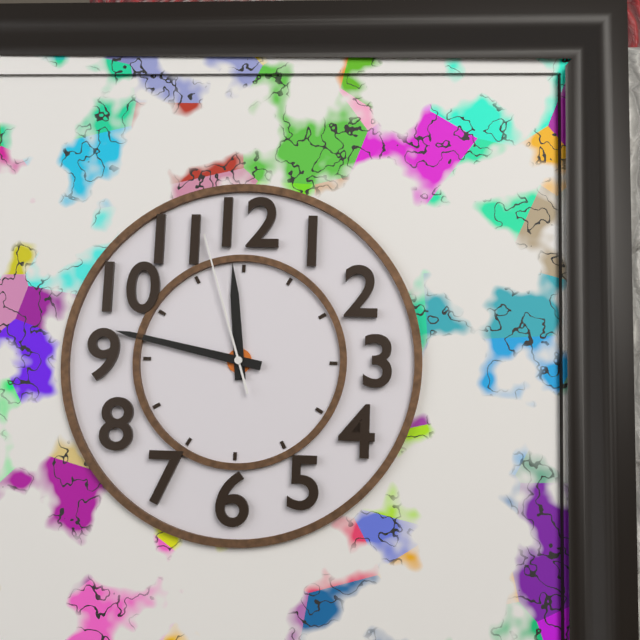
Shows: 11:47:57
